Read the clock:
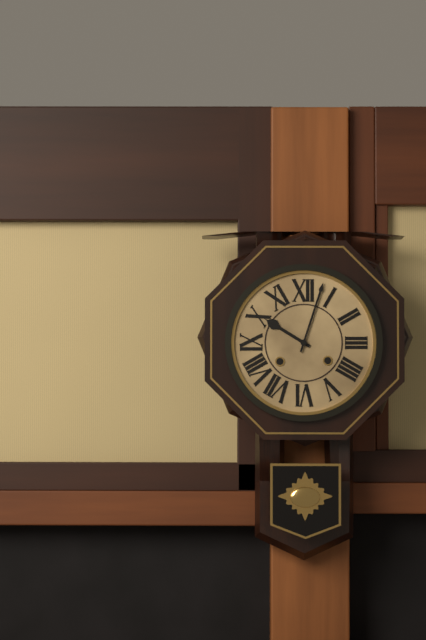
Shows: 10:03
